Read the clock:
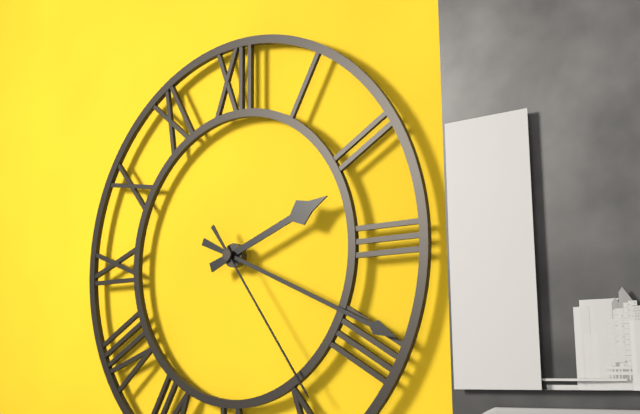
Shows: 2:19:24
